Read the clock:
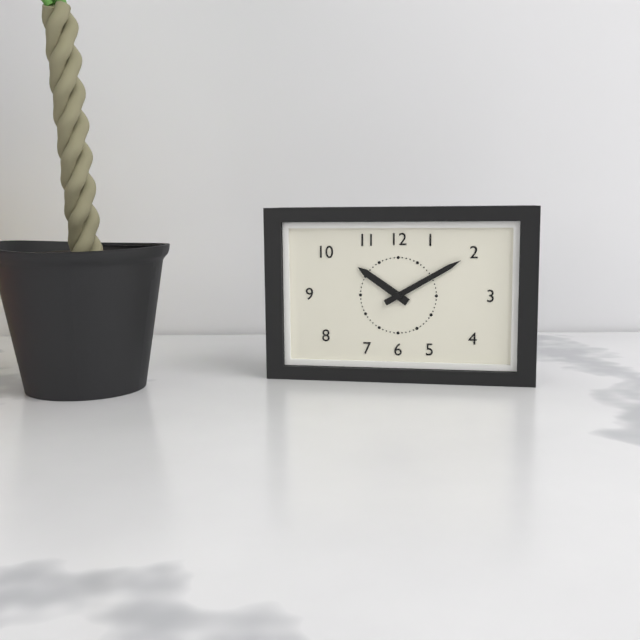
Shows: 10:10
